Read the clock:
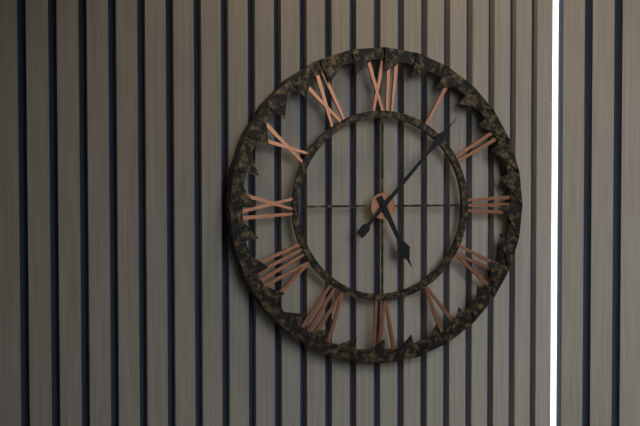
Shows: 5:07
